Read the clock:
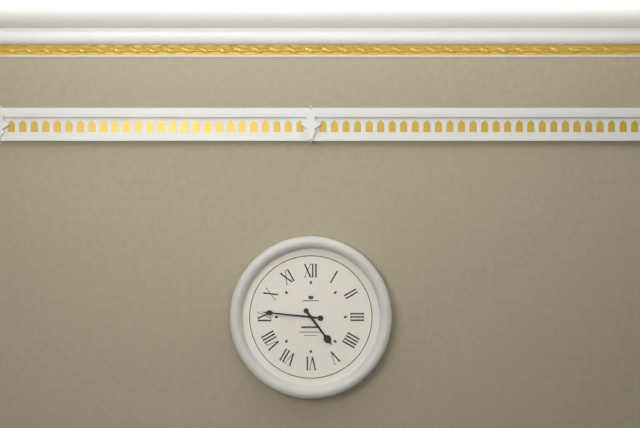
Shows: 4:46
